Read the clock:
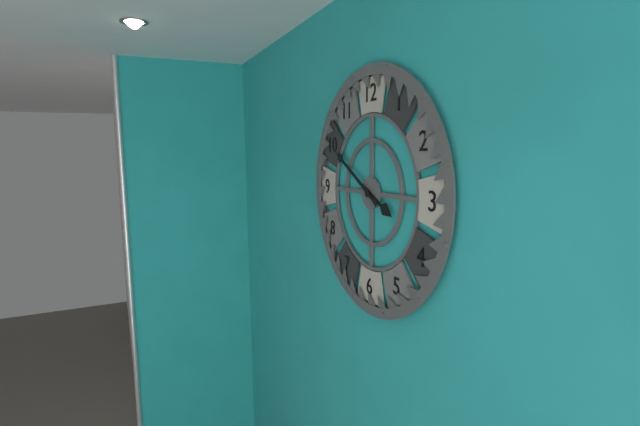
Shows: 3:50
